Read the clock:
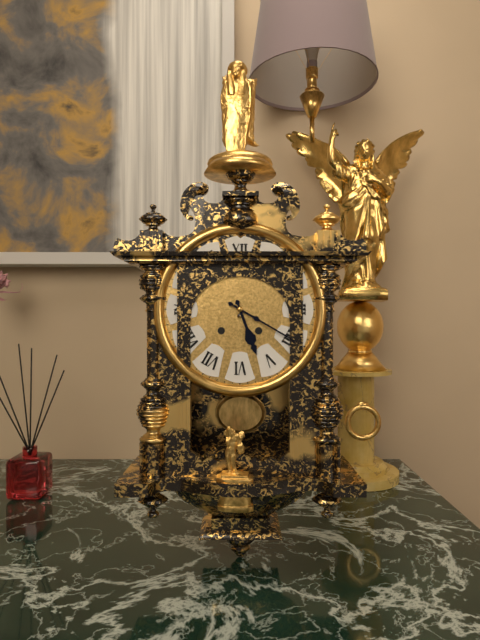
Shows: 5:20
